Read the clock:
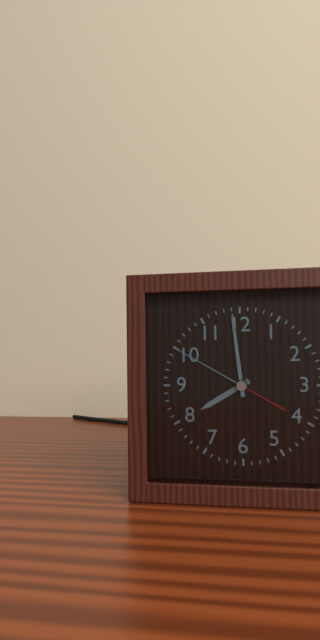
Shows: 7:59:50
